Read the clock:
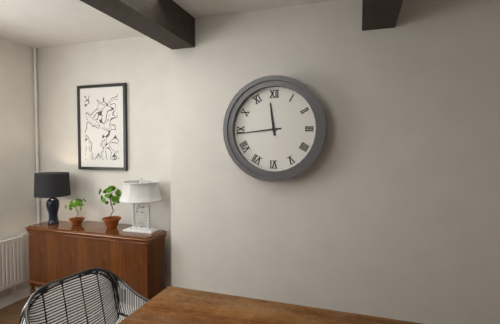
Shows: 11:44
